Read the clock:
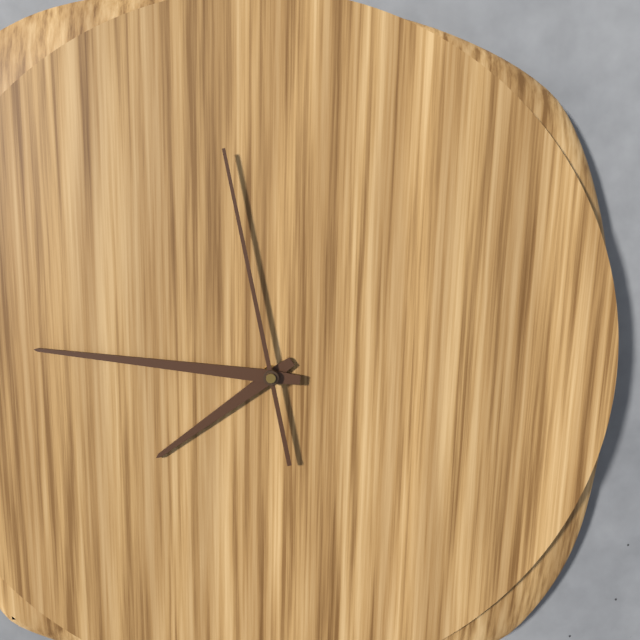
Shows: 7:46:58
